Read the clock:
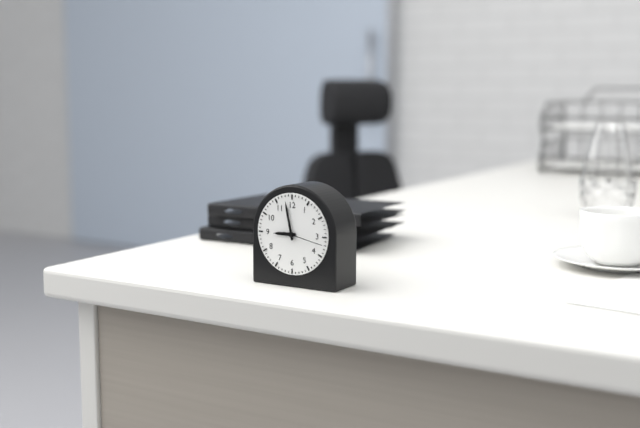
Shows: 8:58
